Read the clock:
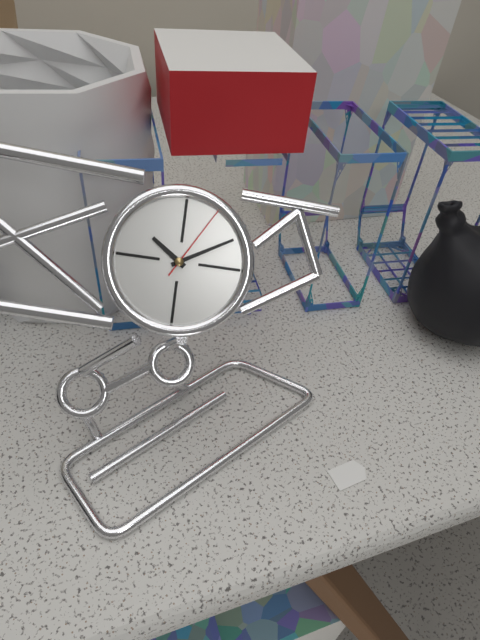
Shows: 10:10:05
